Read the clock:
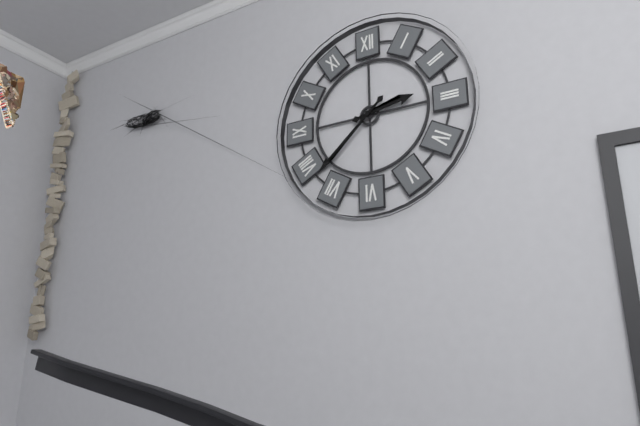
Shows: 2:38
